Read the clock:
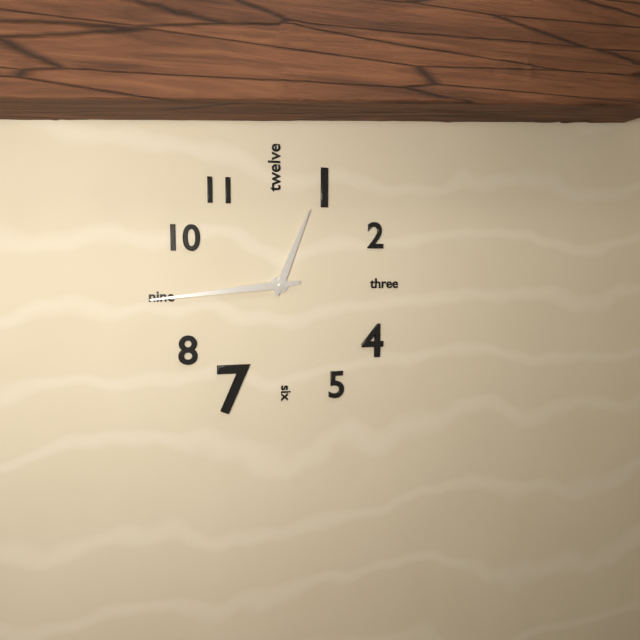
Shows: 12:44
